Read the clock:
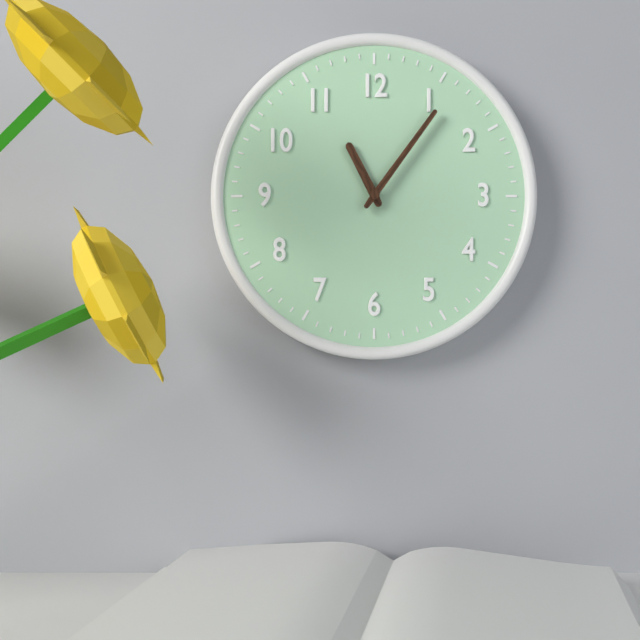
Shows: 11:06
